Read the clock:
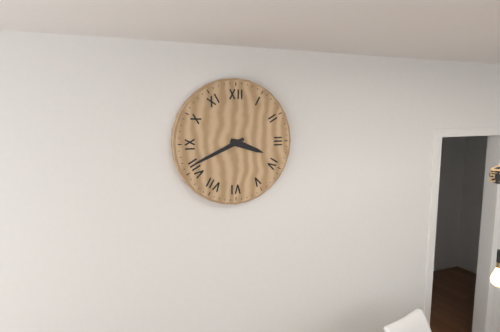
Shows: 3:41
